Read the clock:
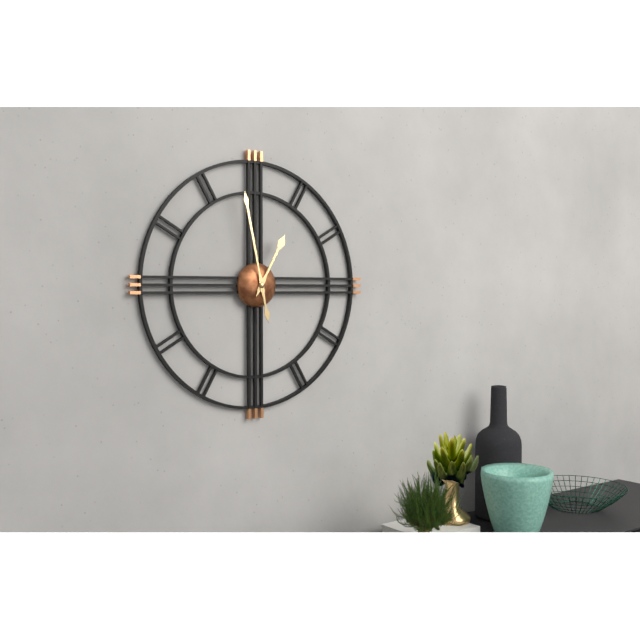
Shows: 12:58
